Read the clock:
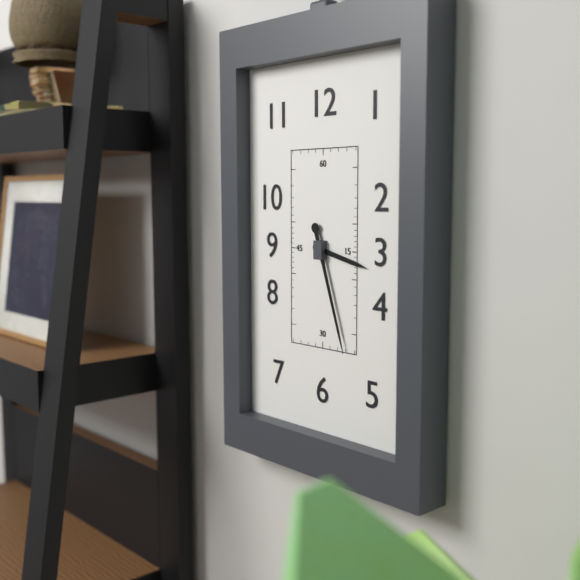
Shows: 3:27
